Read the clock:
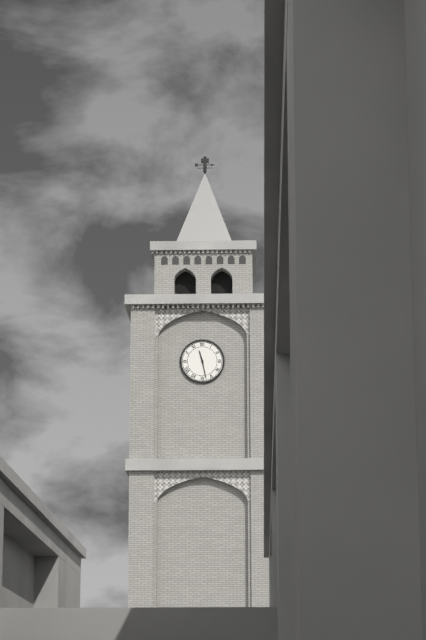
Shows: 11:28
